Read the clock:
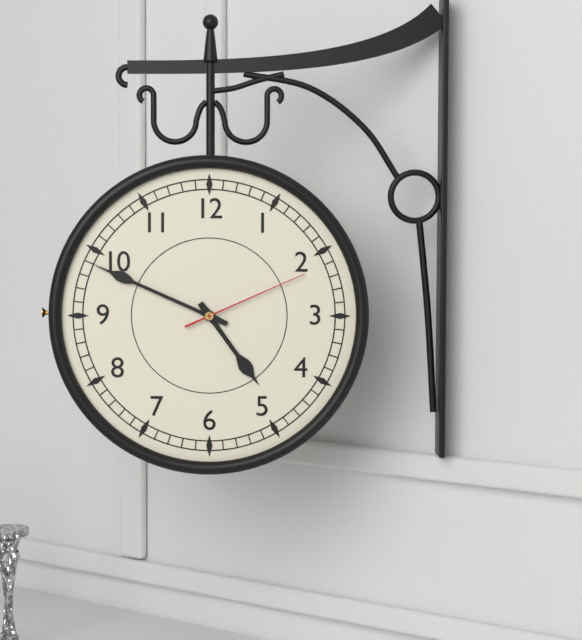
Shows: 4:49:11
